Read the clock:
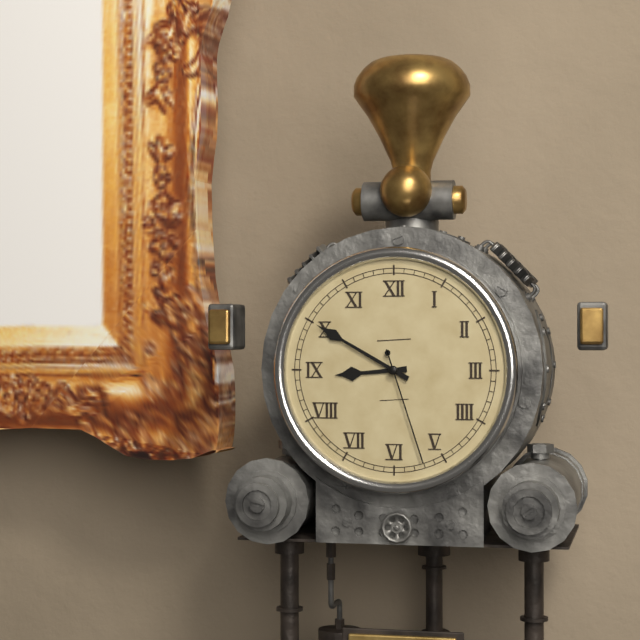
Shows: 8:50:27
